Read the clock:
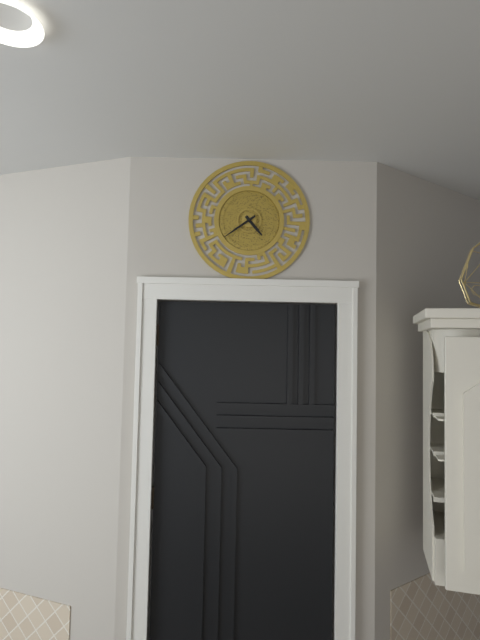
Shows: 4:39
